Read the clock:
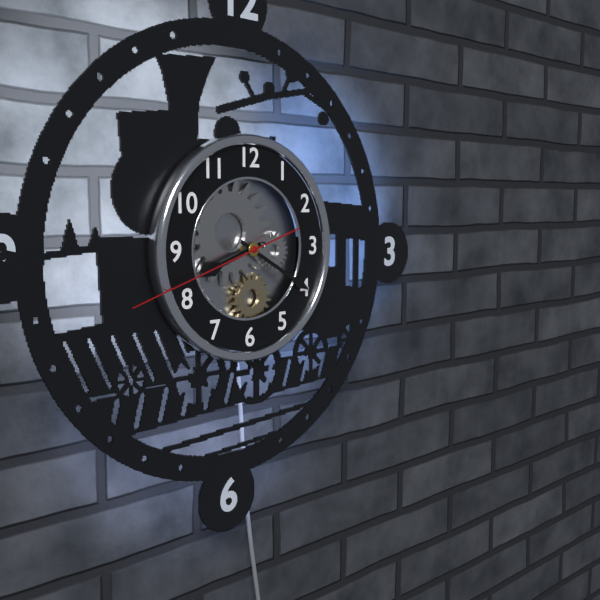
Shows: 8:20:42
